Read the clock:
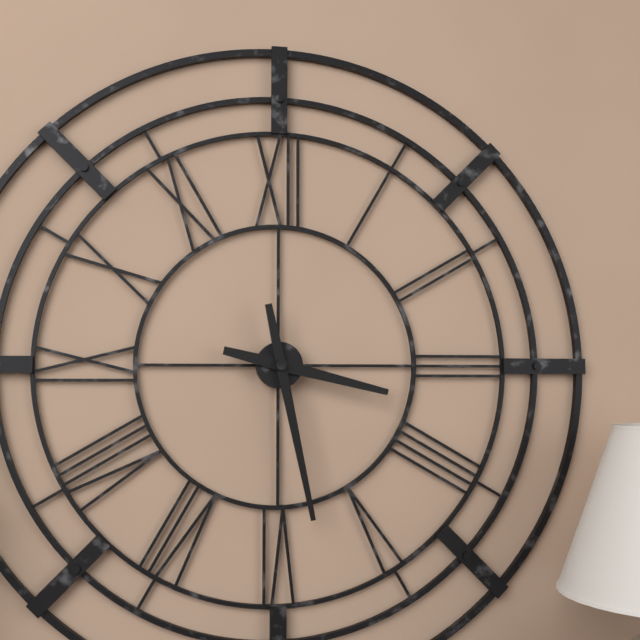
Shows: 3:28
